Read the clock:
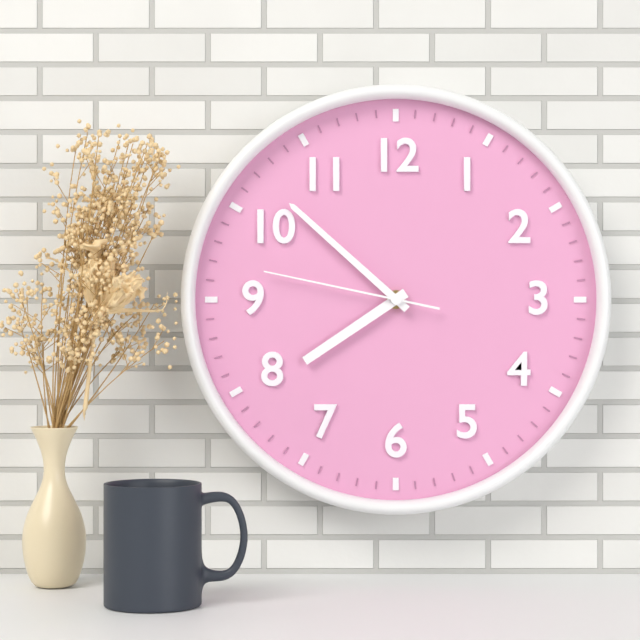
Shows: 7:52:47
